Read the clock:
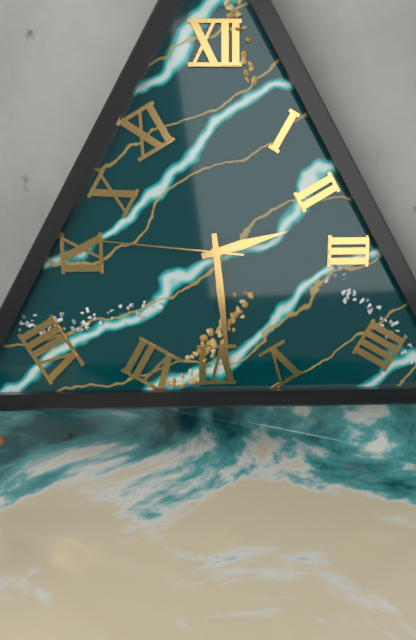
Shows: 2:29:46
